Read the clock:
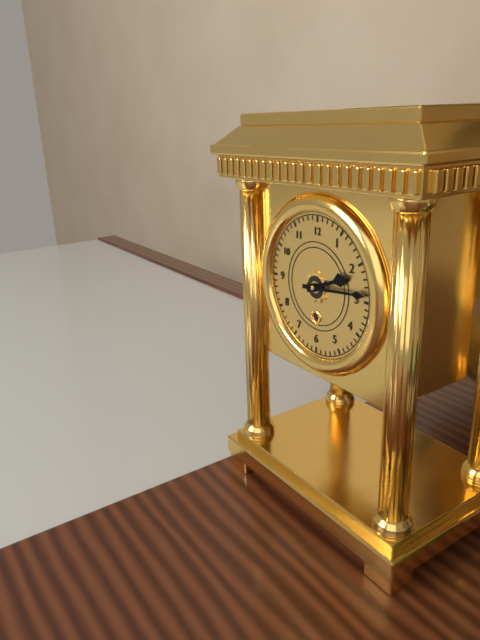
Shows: 2:14
